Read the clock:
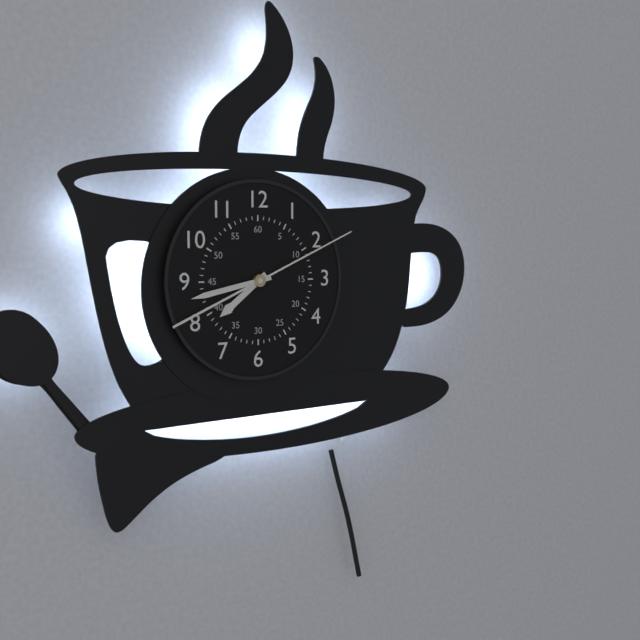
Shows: 7:43:11
